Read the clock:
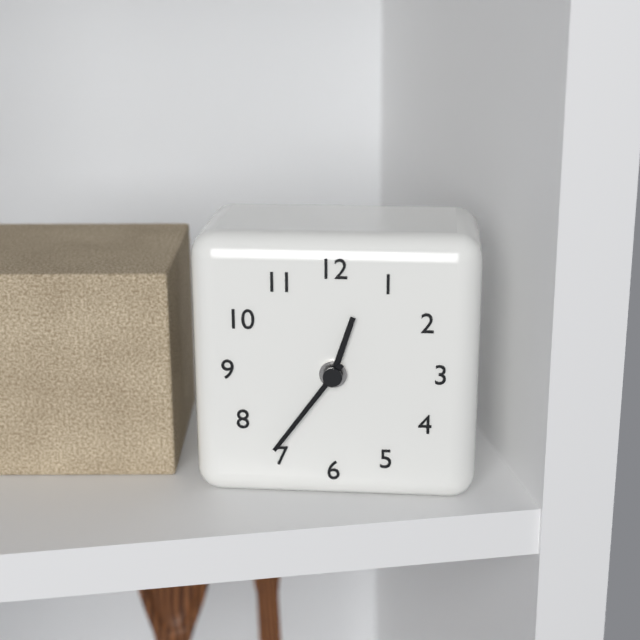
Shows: 12:36
